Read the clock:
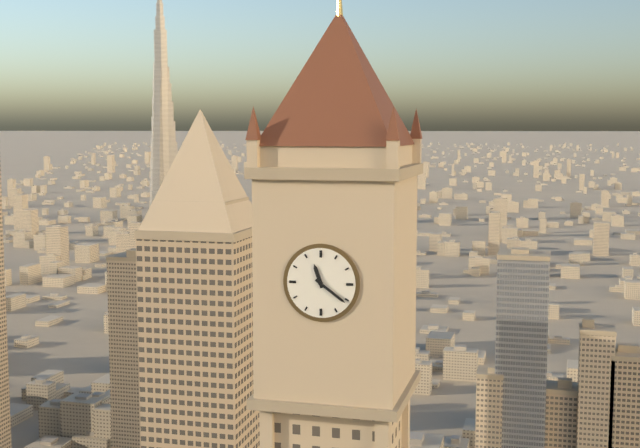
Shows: 11:21
